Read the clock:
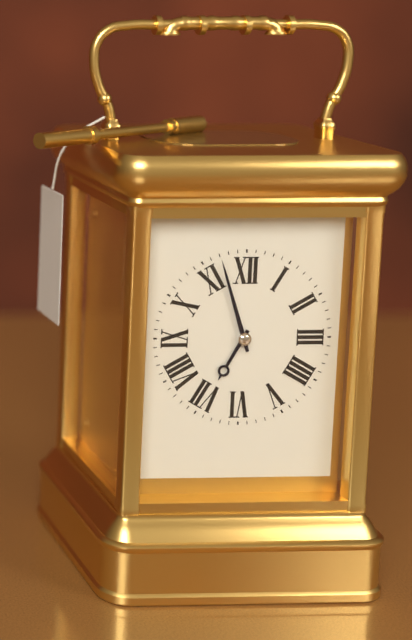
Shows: 6:57
